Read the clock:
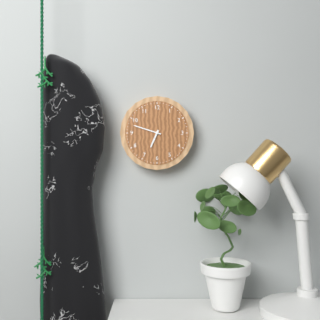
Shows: 6:48
